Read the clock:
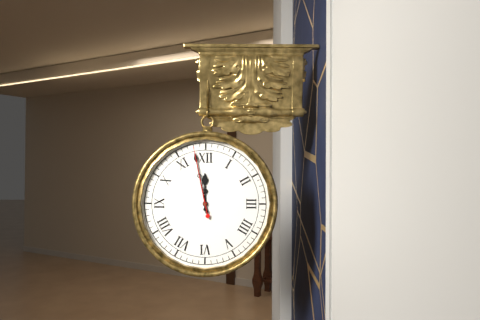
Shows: 11:58:58
